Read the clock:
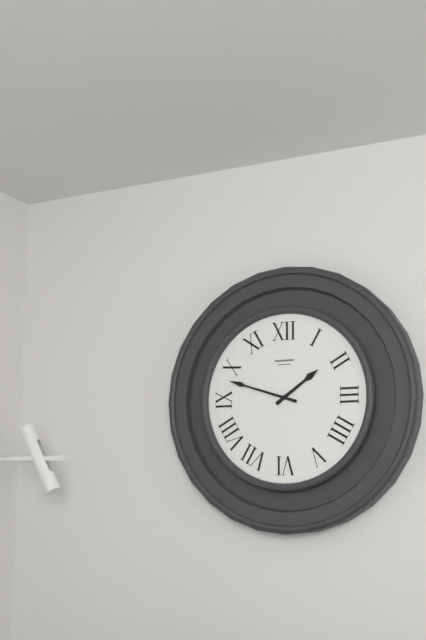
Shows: 1:48
